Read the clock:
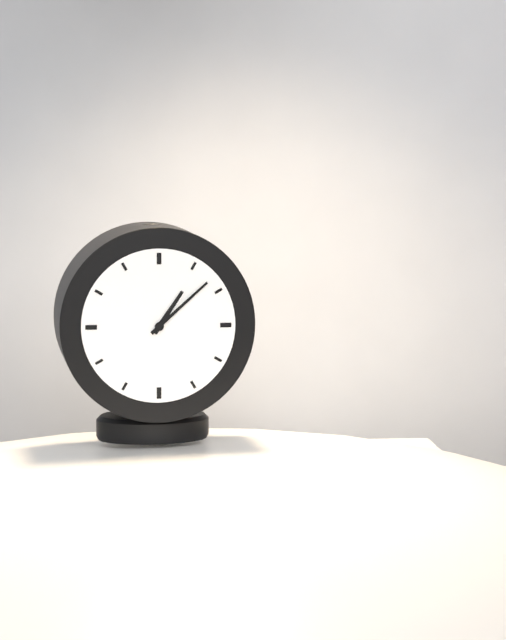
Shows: 1:08
